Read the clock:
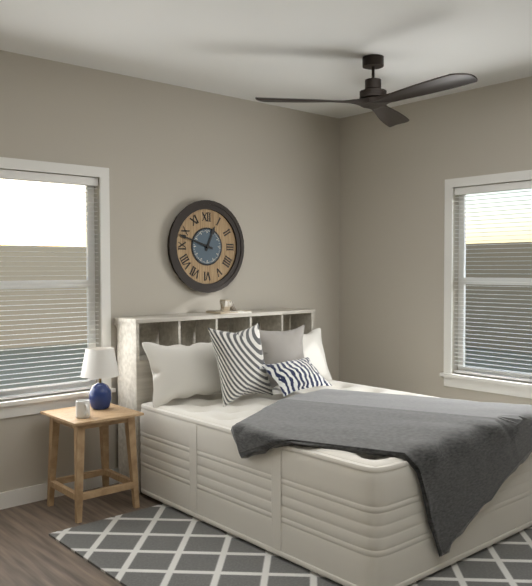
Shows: 12:48
